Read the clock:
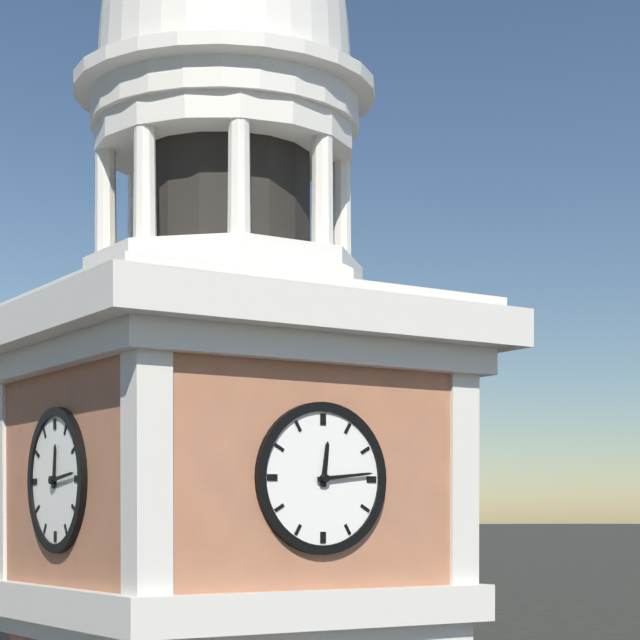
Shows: 12:14
